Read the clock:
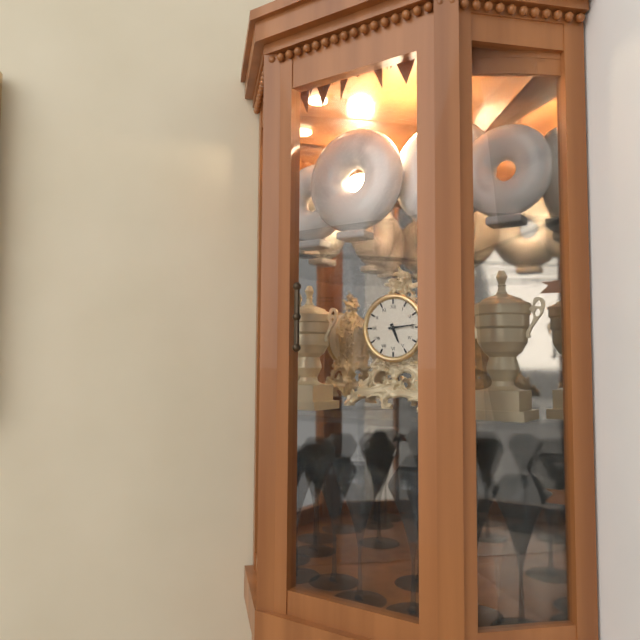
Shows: 5:14
